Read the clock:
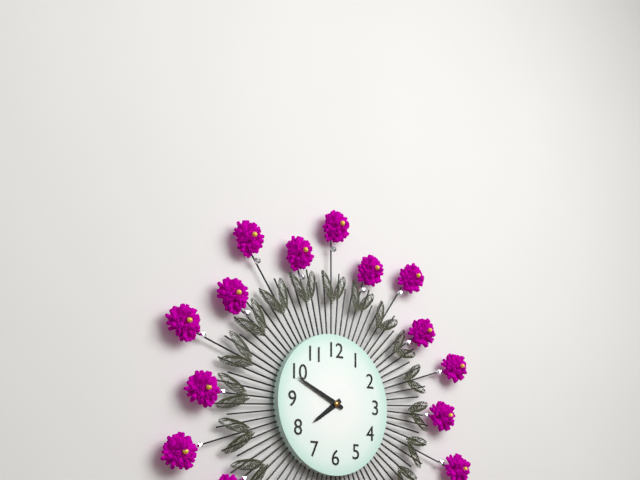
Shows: 7:49
